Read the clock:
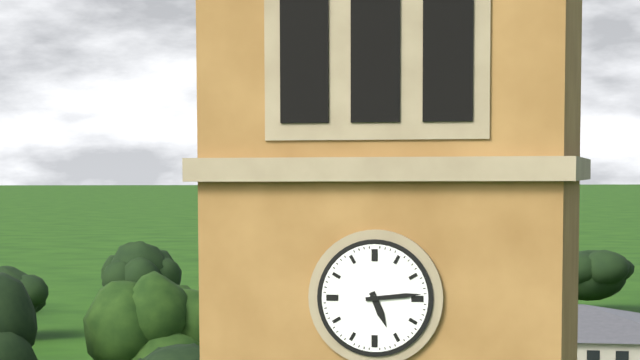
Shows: 5:14
